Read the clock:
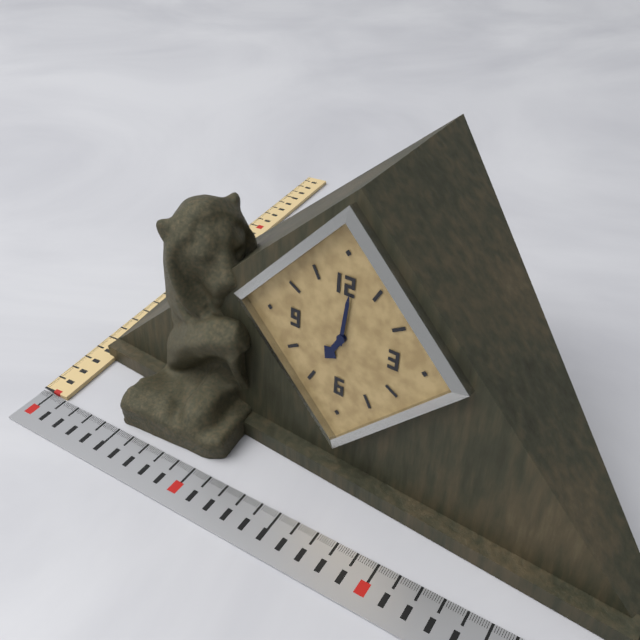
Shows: 7:01
